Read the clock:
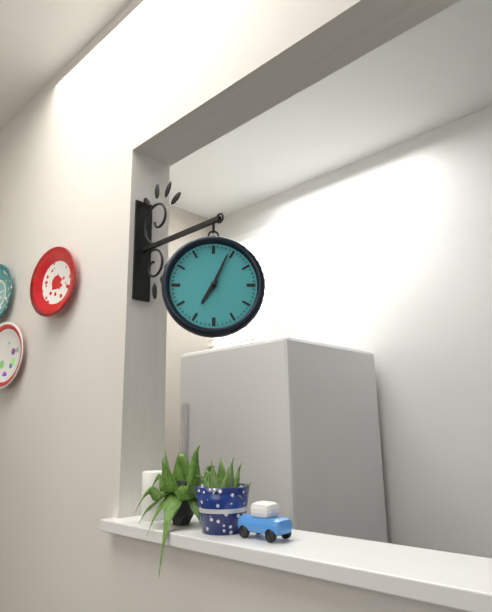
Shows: 7:04
